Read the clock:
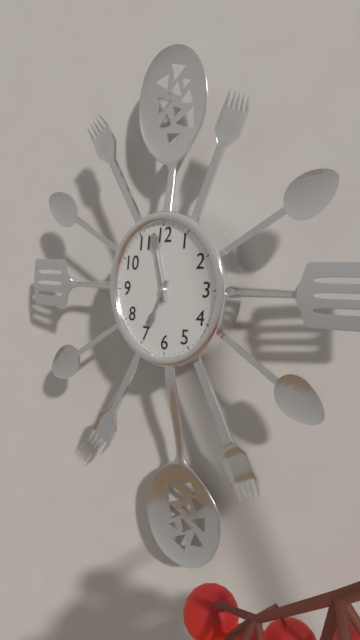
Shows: 6:58
